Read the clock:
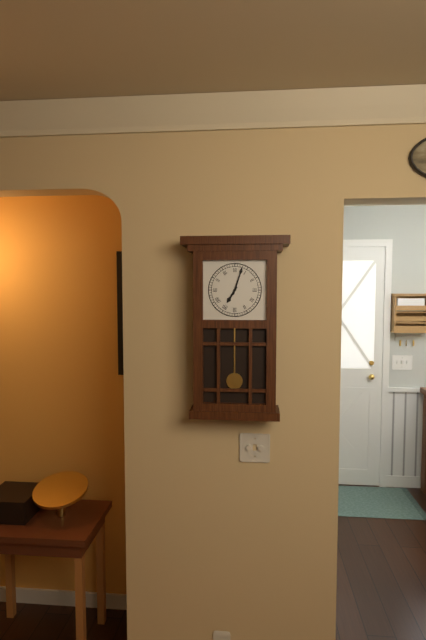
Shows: 7:03
